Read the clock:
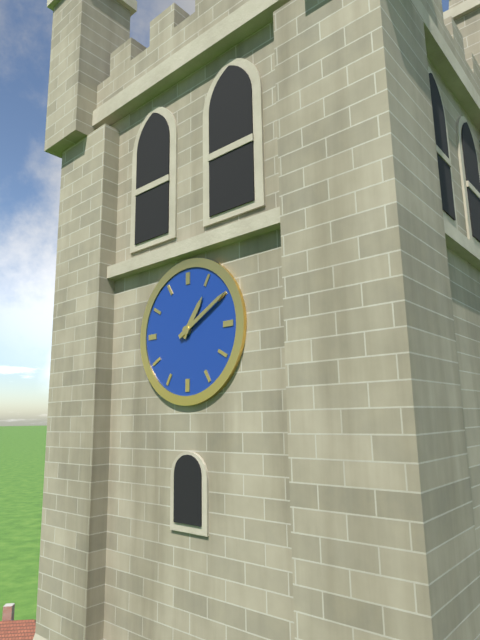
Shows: 1:10
